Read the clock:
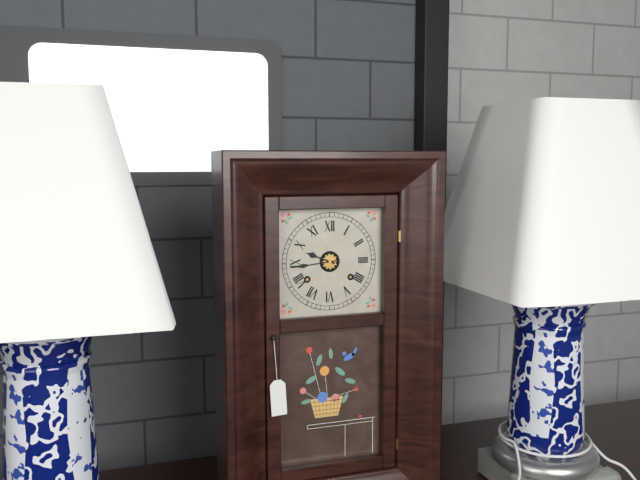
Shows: 9:44
